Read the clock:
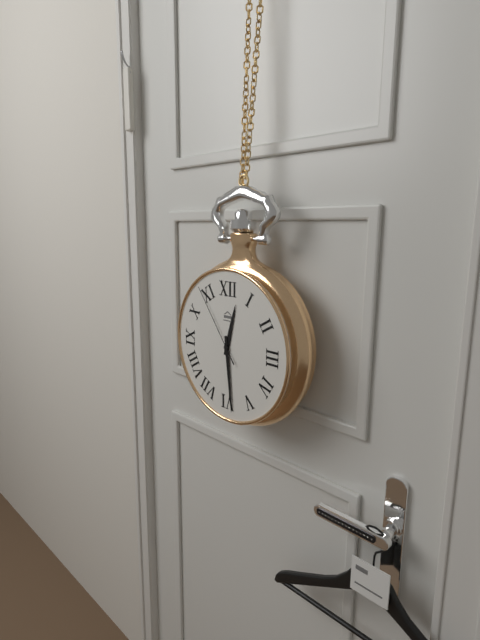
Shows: 12:29:54
